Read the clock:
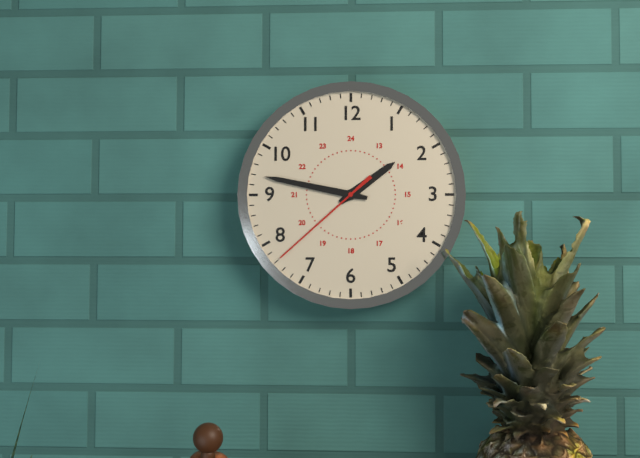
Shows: 1:47:38
